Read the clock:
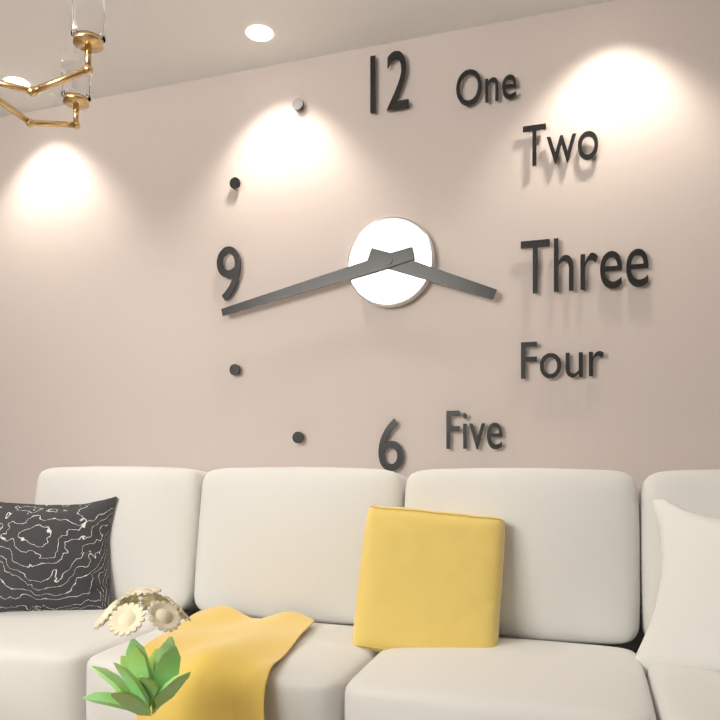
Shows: 3:43
